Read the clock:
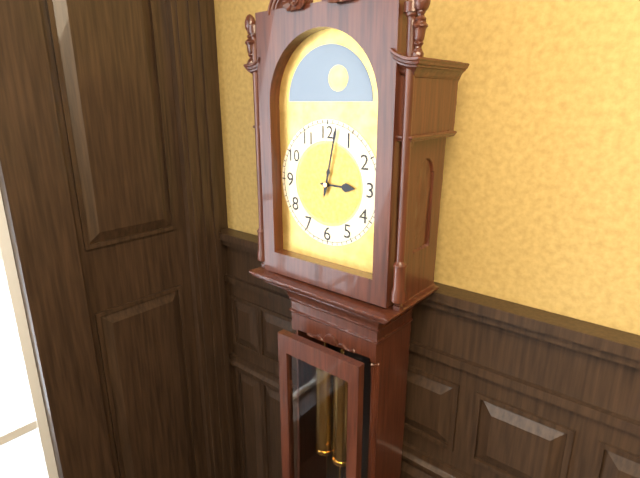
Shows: 3:02
